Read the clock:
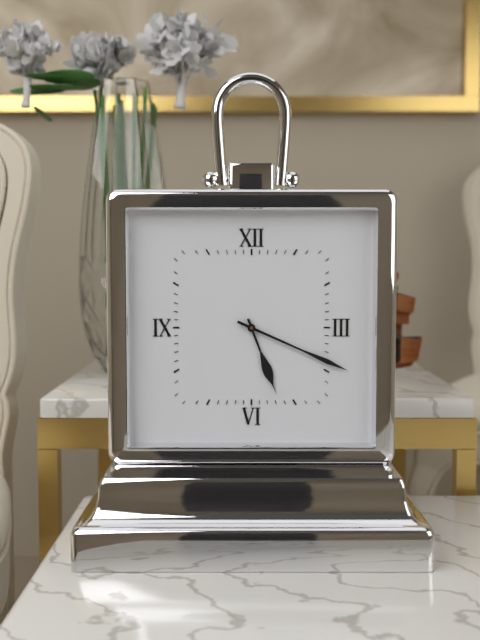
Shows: 5:19
